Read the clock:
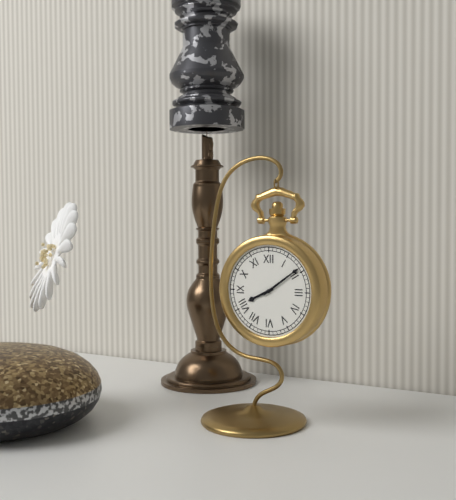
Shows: 8:09
